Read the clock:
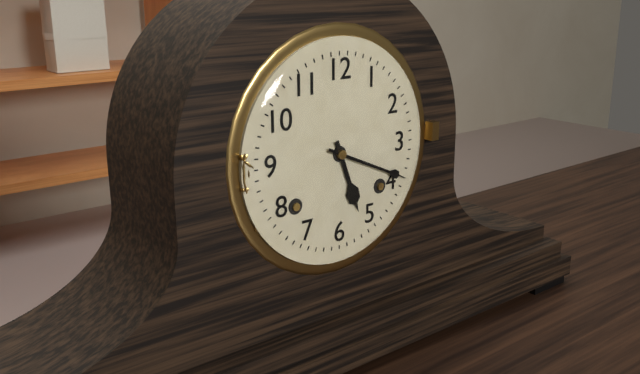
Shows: 5:19
